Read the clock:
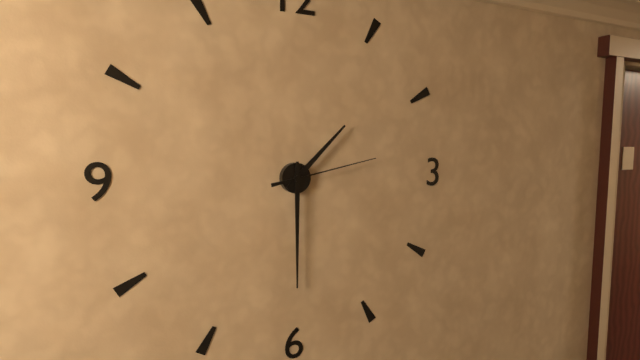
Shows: 1:30:13
